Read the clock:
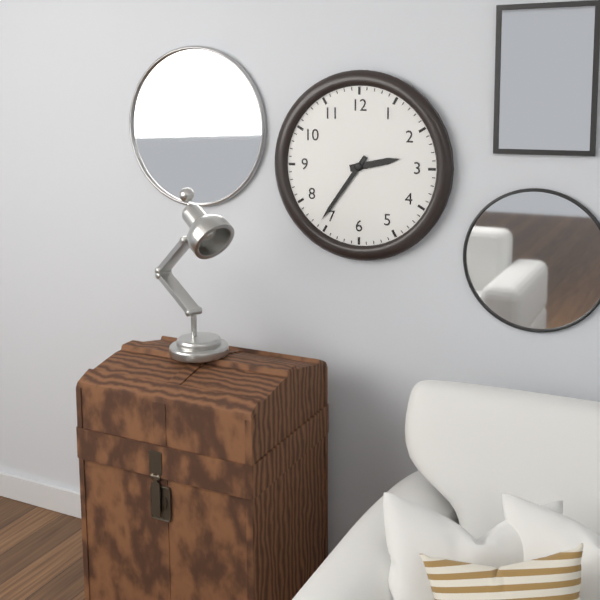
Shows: 2:36
